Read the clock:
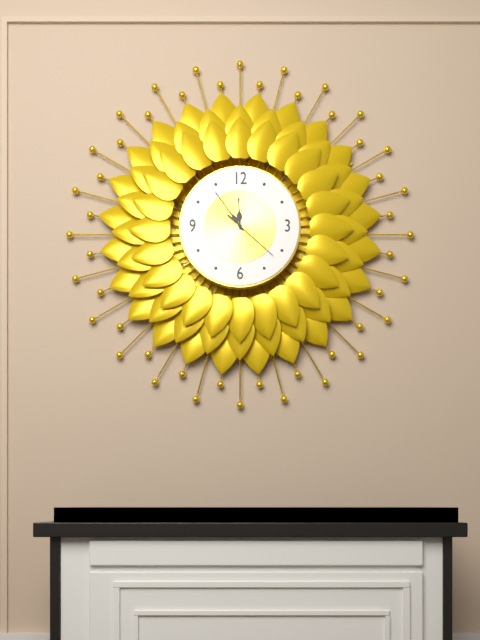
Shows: 11:54:22
